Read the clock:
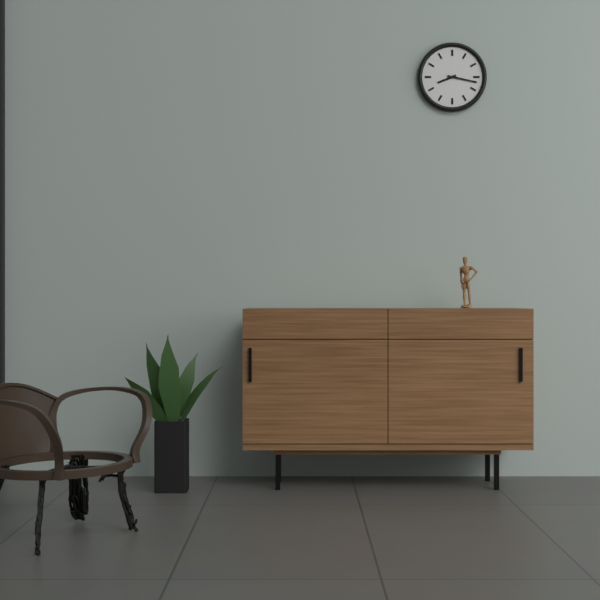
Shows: 8:17
